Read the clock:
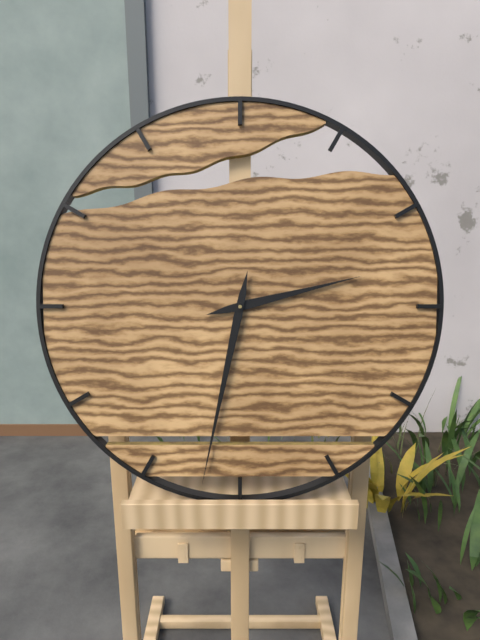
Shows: 2:32
